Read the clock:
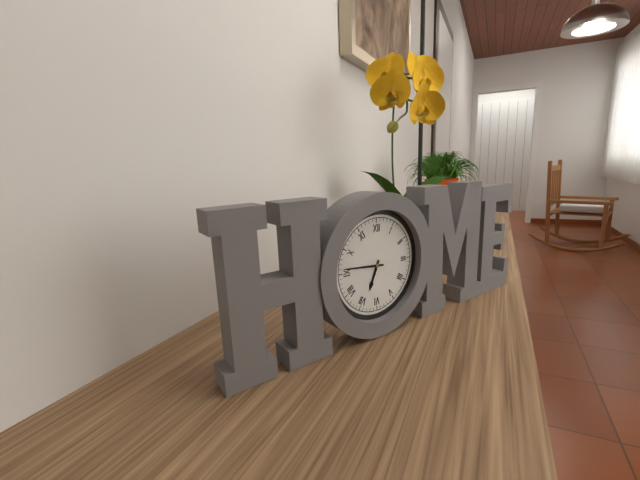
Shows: 6:46
